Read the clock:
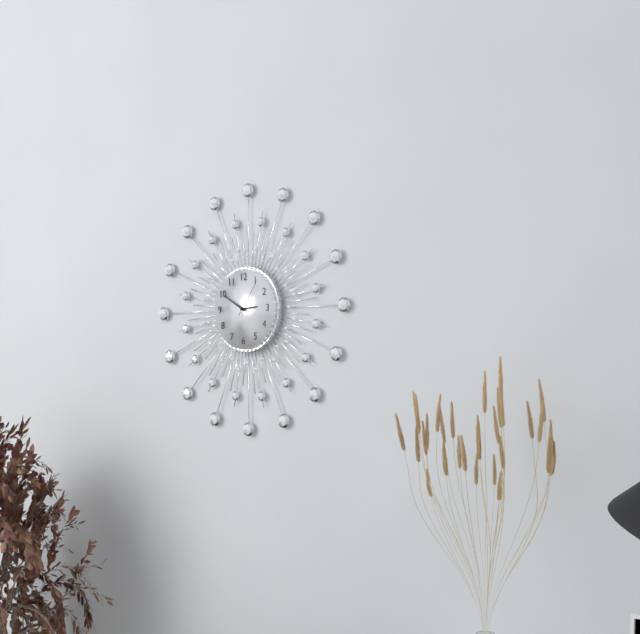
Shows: 2:50
